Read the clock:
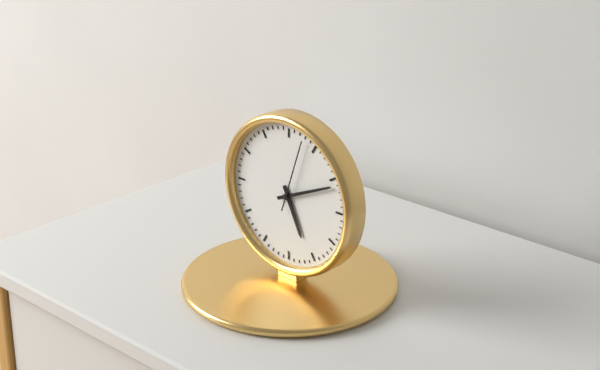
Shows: 5:11:03
